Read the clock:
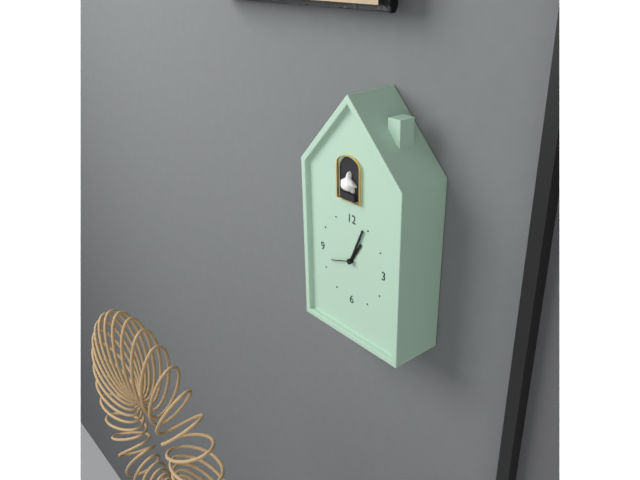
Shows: 1:04
